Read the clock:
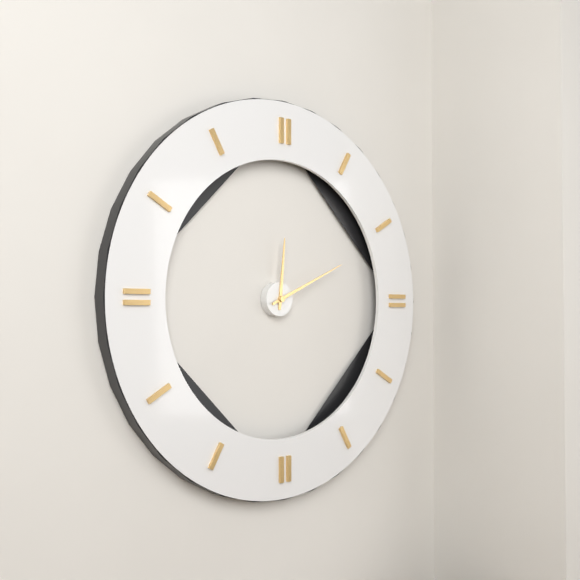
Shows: 12:11
